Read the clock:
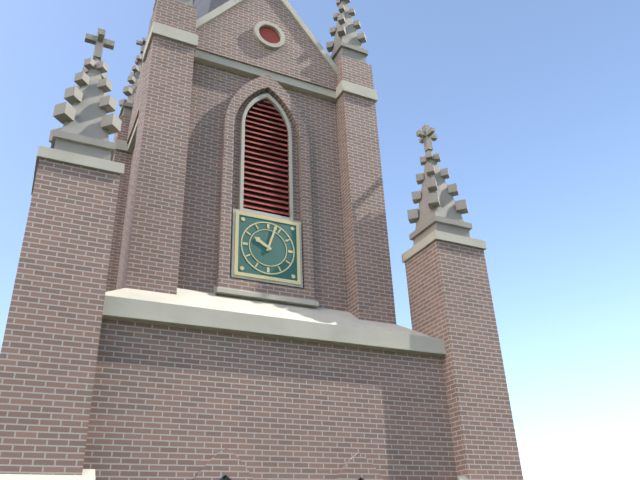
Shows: 10:03
